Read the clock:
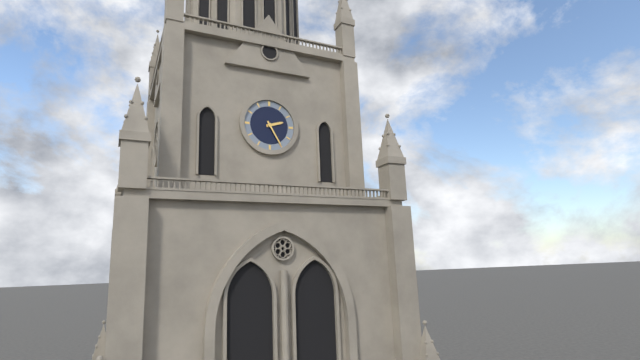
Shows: 2:25
